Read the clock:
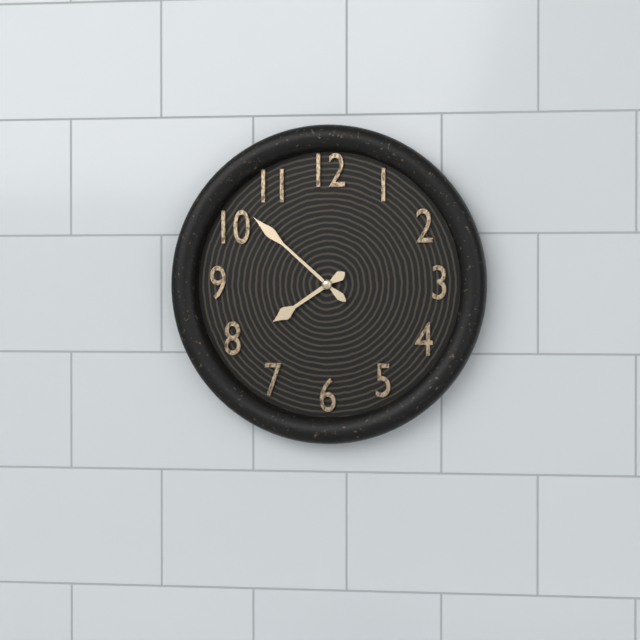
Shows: 7:52
